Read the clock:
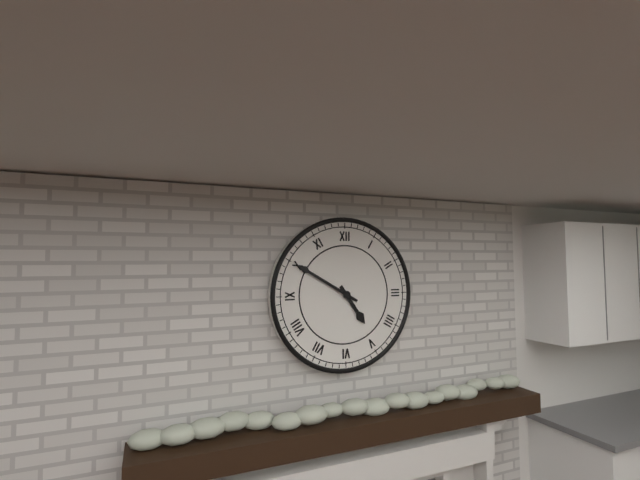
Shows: 4:50
